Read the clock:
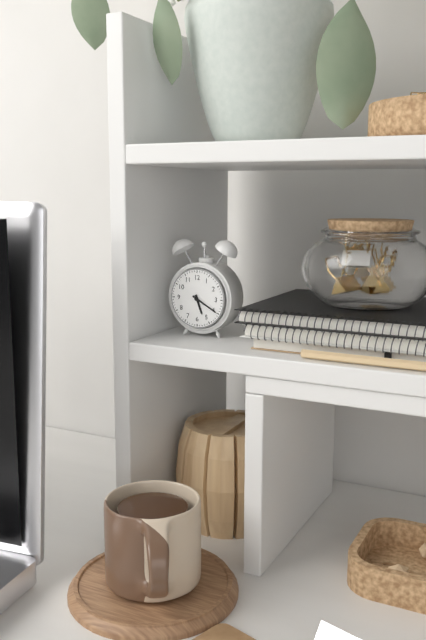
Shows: 5:20
